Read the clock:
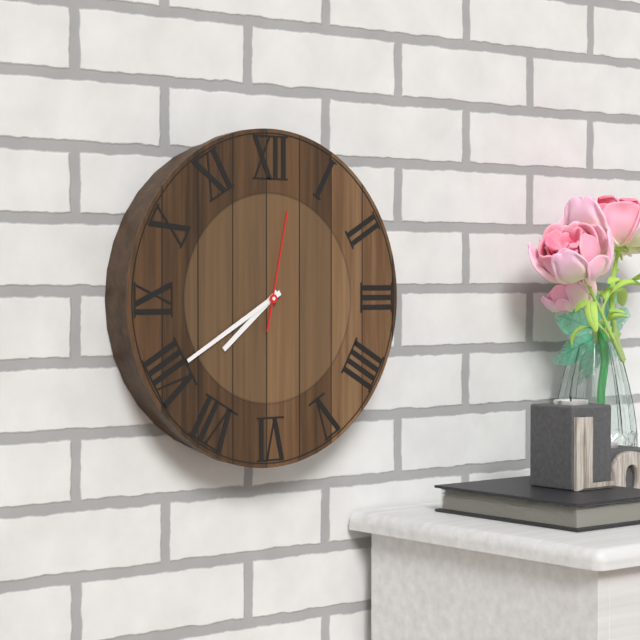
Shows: 7:40:02
